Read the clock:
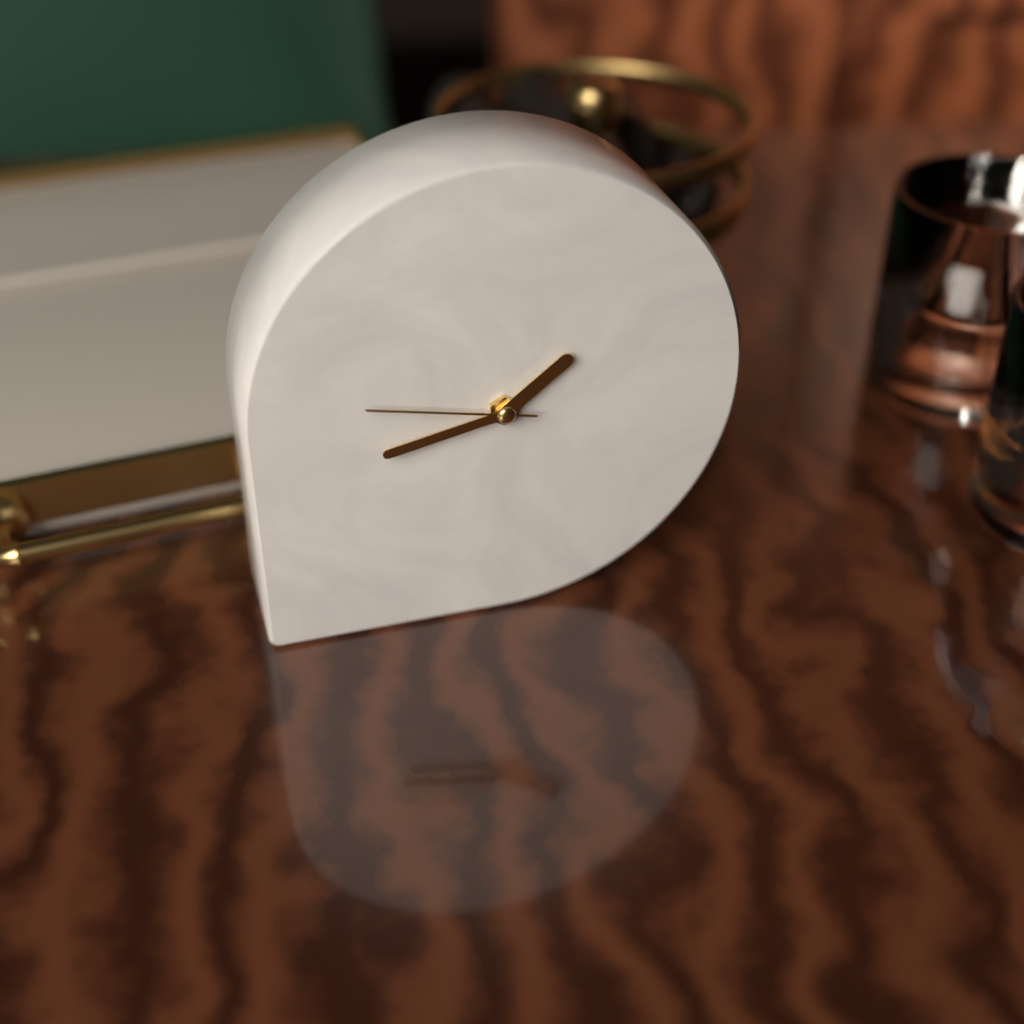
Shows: 1:43:47
